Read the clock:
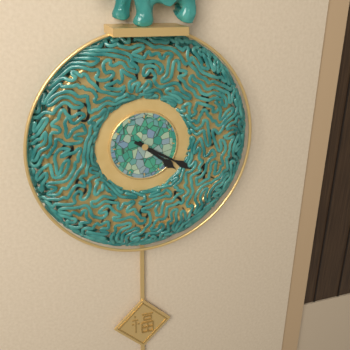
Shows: 4:20
